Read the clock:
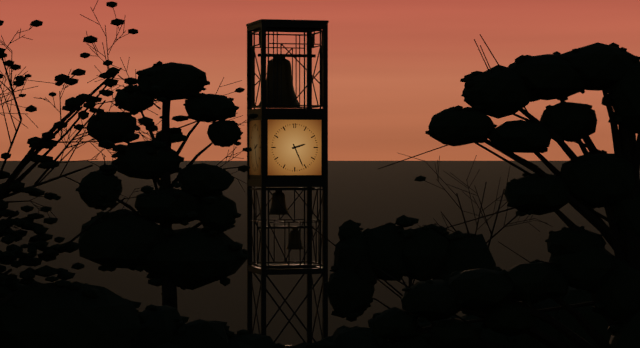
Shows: 2:26
